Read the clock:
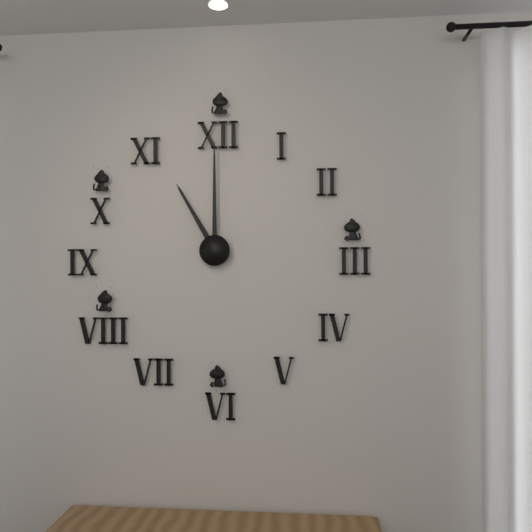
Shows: 11:00
